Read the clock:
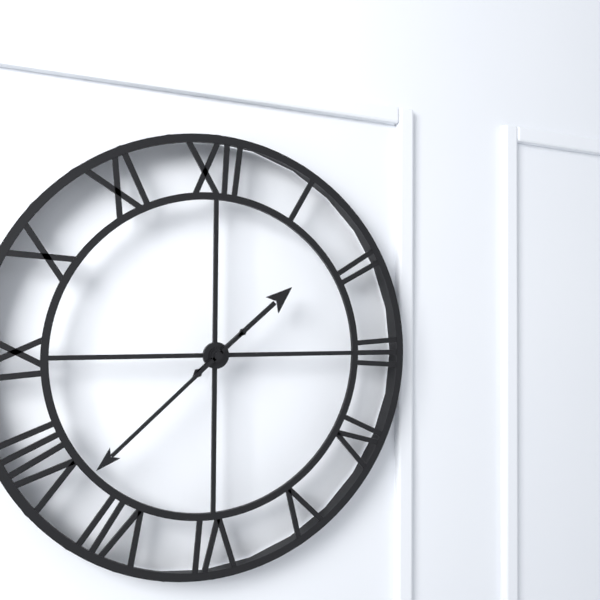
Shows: 1:38
